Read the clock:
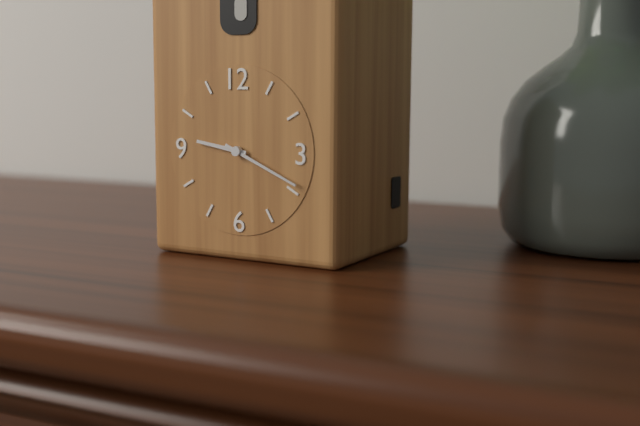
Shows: 9:19
